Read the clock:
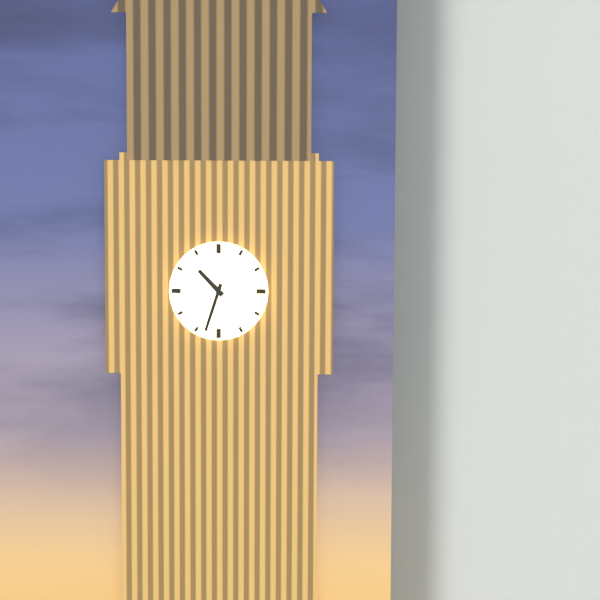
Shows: 10:33
